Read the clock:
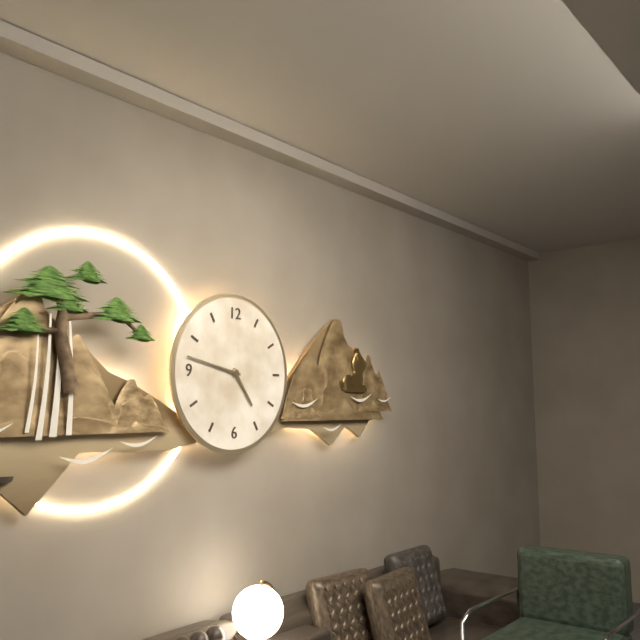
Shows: 4:47
